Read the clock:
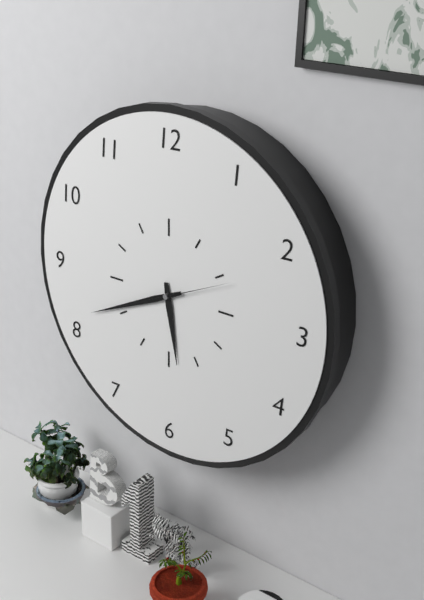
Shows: 5:41:11
